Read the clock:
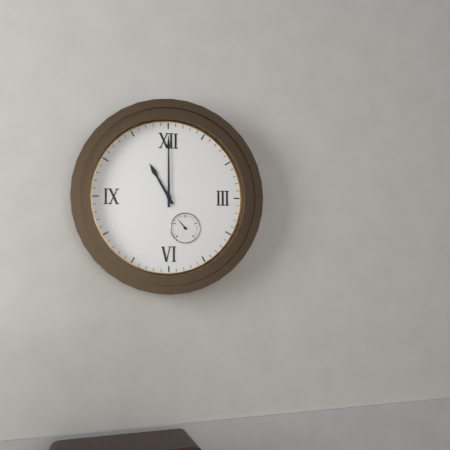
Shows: 11:00
